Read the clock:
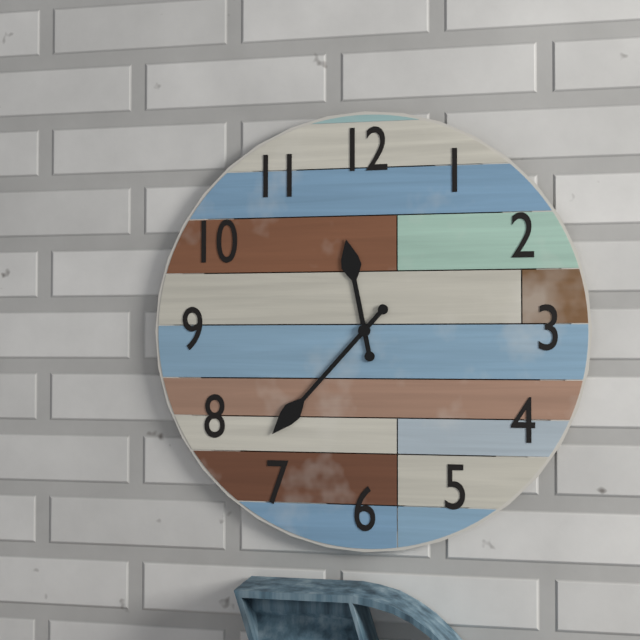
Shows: 11:37
